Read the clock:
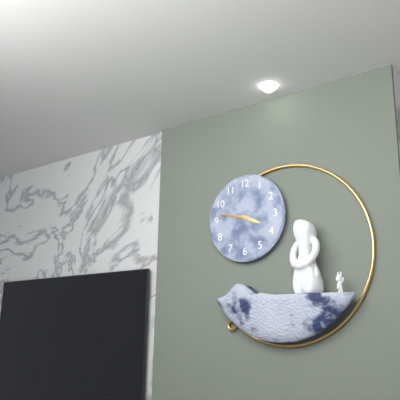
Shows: 3:47
